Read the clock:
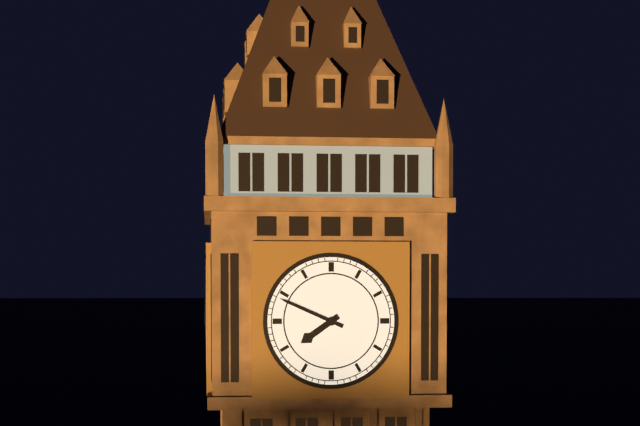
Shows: 7:49
